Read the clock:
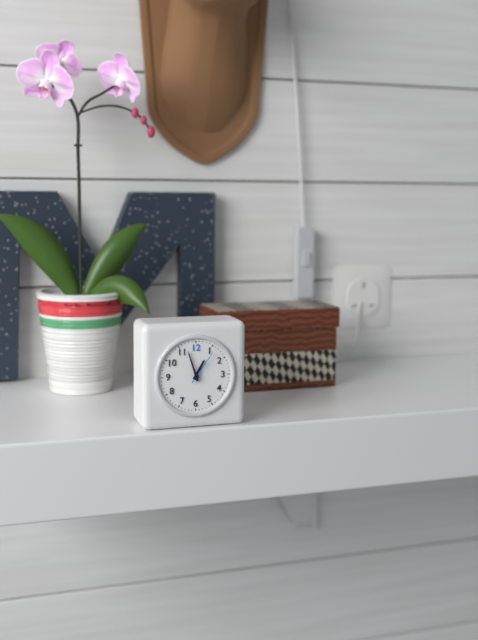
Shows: 12:57
